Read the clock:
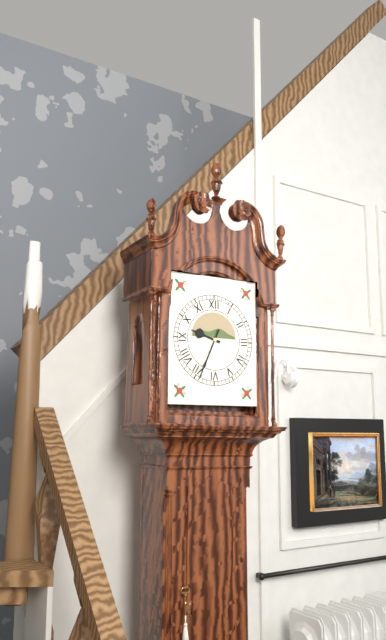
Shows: 9:34
